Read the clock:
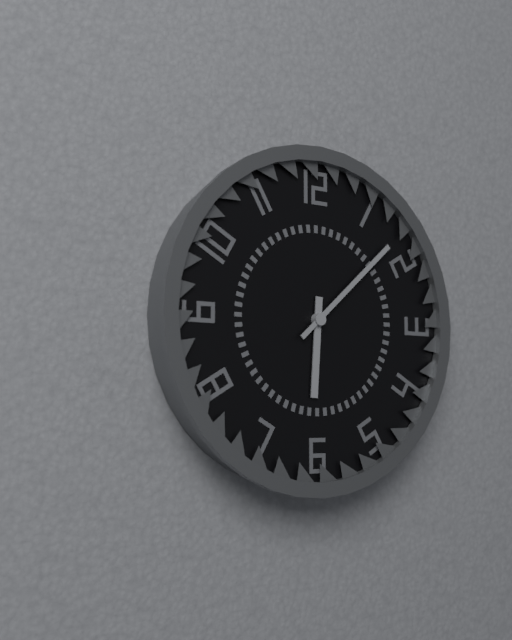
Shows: 6:08
